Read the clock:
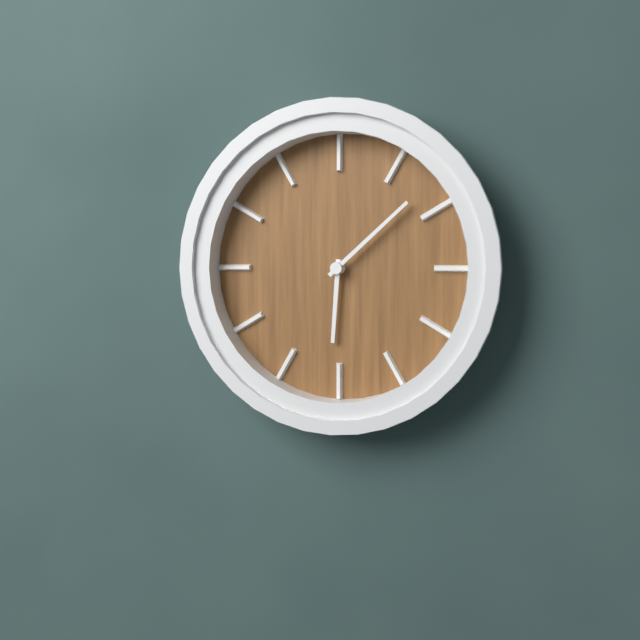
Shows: 6:08
